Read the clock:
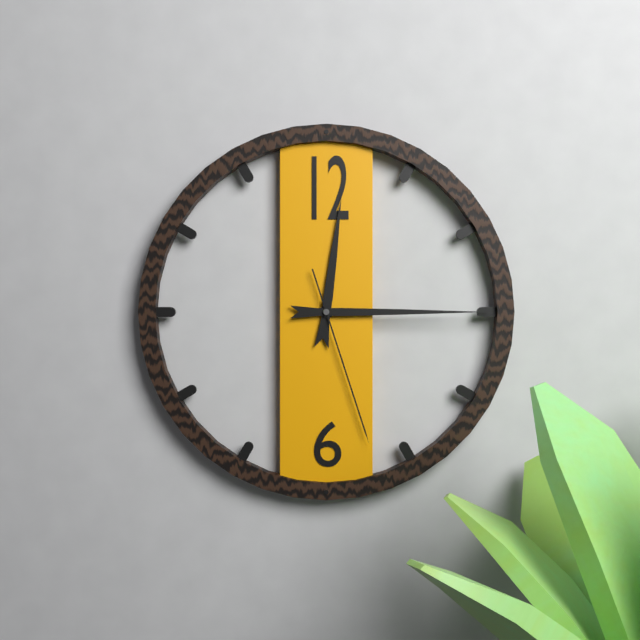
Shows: 12:15:27
